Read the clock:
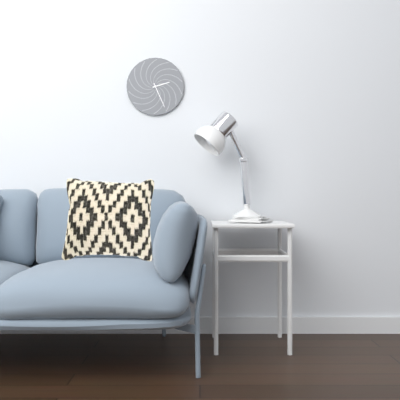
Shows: 2:26
